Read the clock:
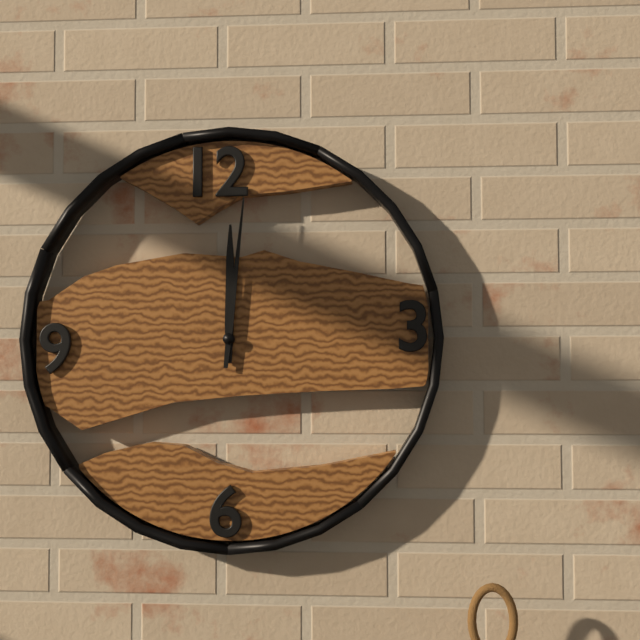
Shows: 12:01
